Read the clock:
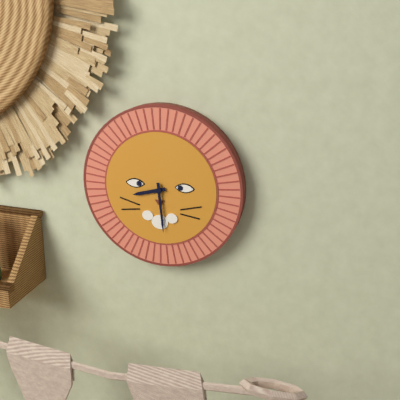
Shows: 8:29
